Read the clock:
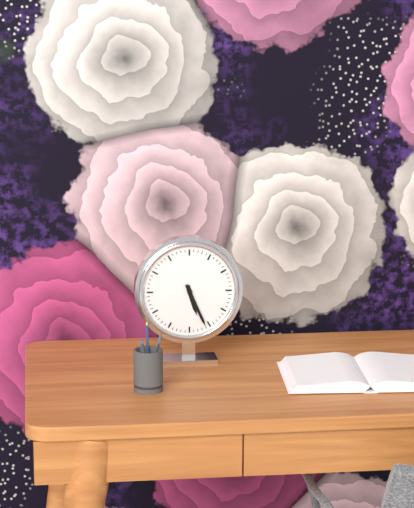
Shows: 5:26
